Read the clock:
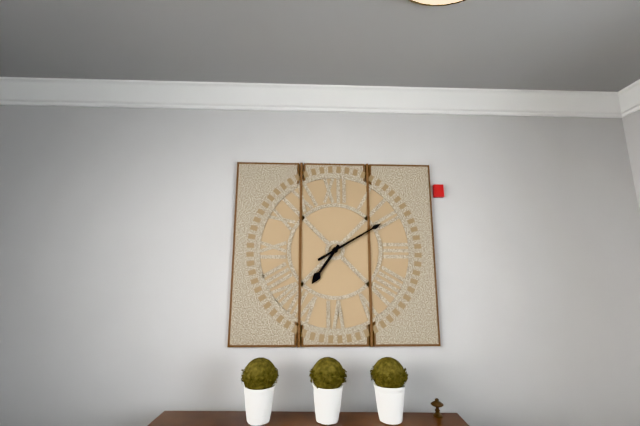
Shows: 7:10
